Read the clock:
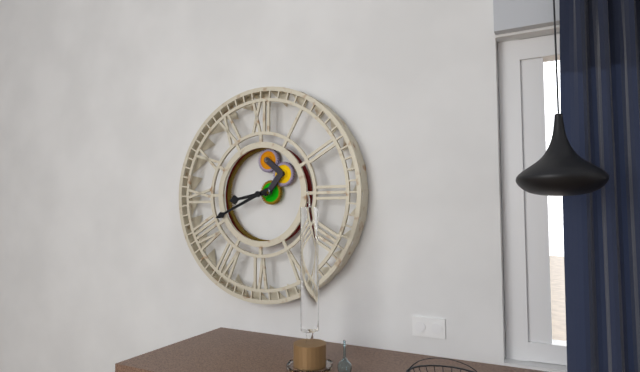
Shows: 8:41
